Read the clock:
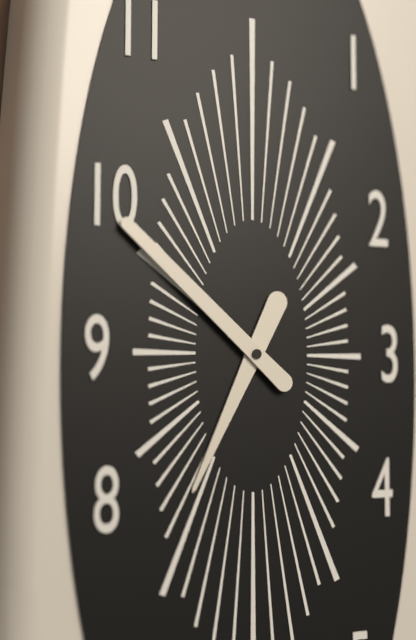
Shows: 6:52
